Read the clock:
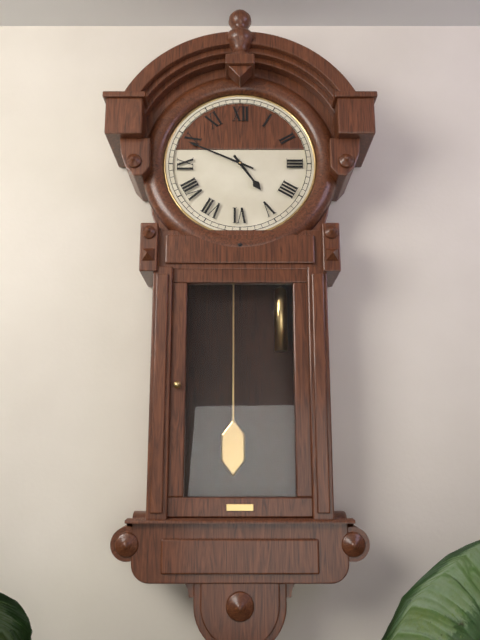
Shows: 4:49
